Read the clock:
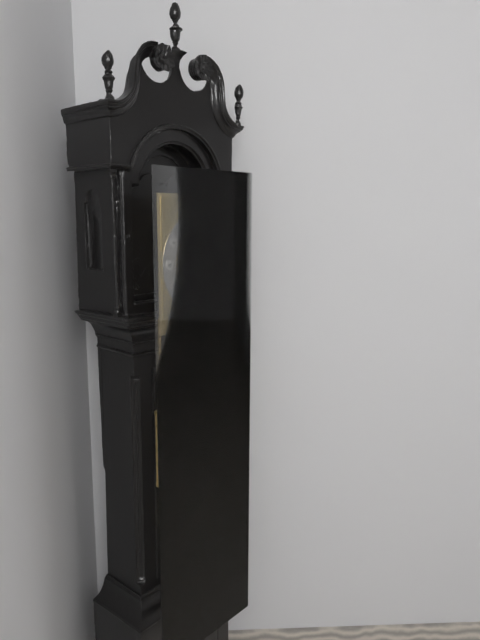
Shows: 10:14
